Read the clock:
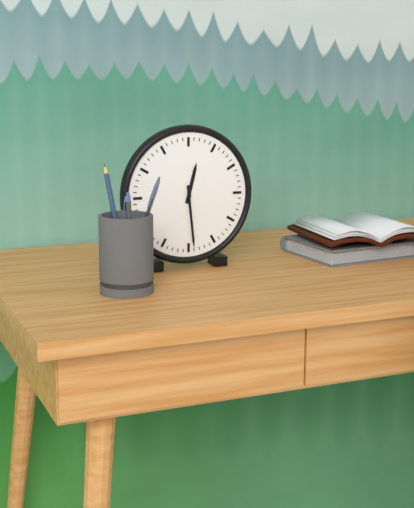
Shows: 12:29
